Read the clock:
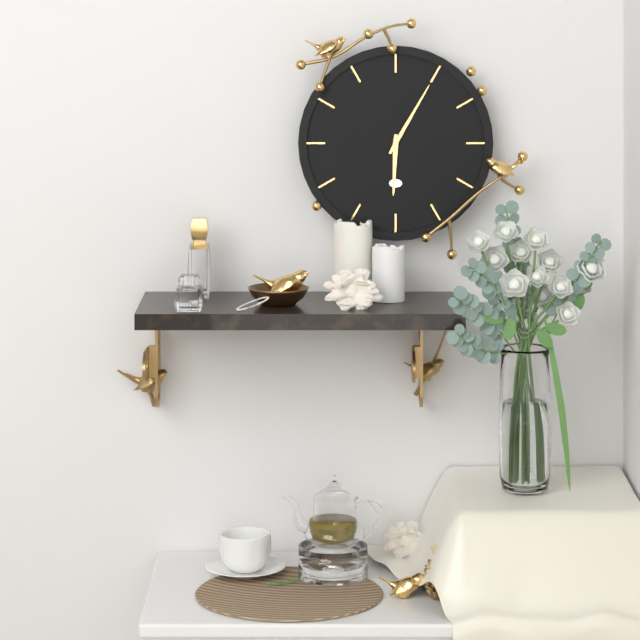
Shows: 6:05
